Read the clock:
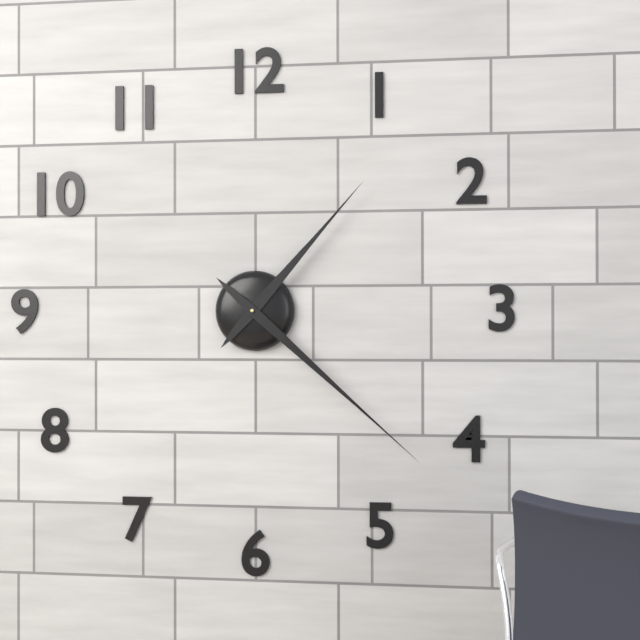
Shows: 1:22
